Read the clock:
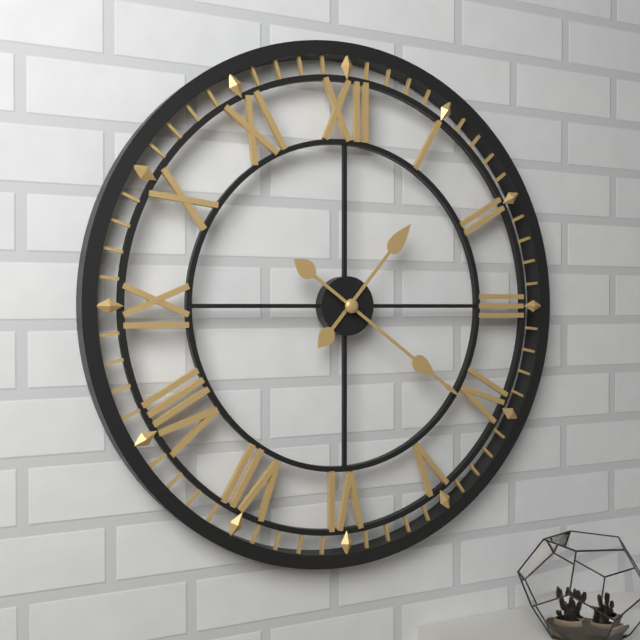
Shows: 1:21
